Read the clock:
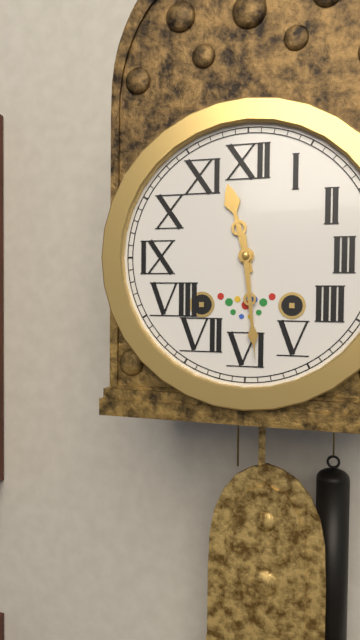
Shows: 11:29
